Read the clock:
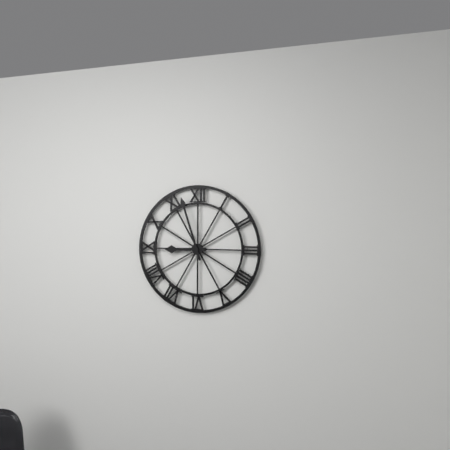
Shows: 8:57
